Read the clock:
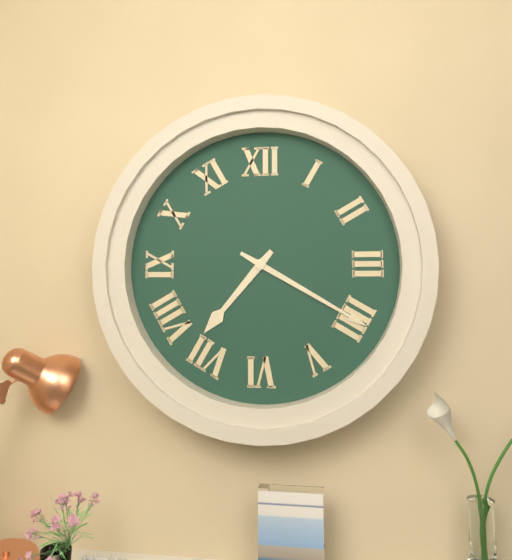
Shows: 7:20
